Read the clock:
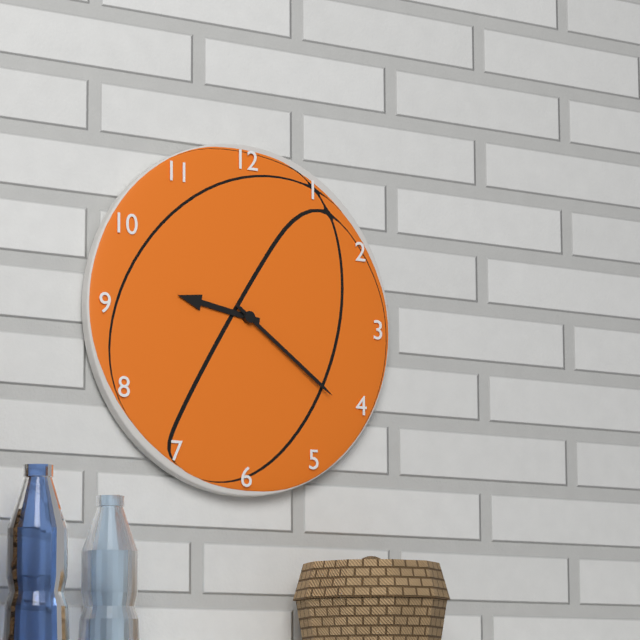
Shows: 9:21
